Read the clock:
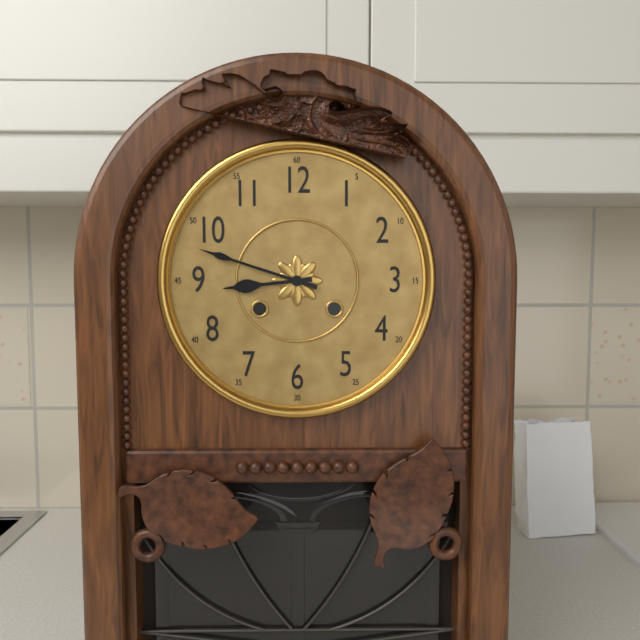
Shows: 8:48
